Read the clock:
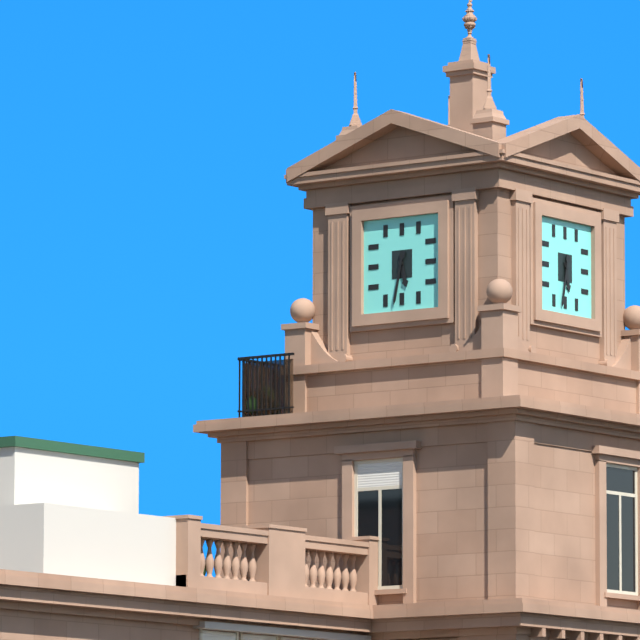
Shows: 5:32
